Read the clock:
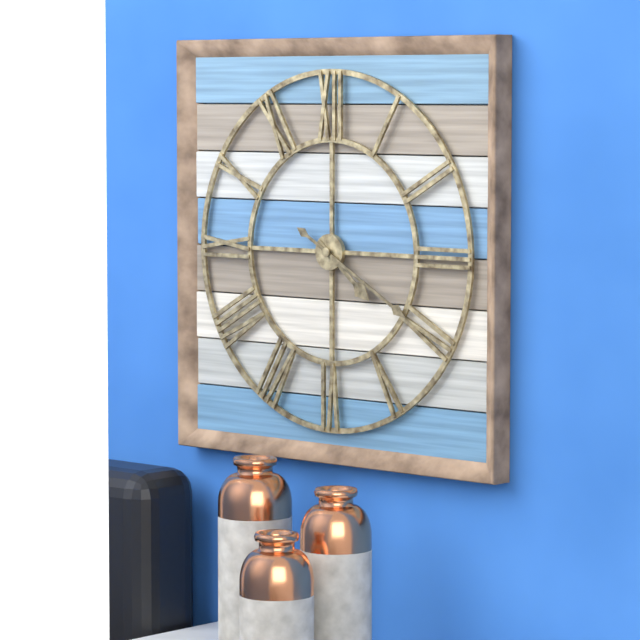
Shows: 4:20
